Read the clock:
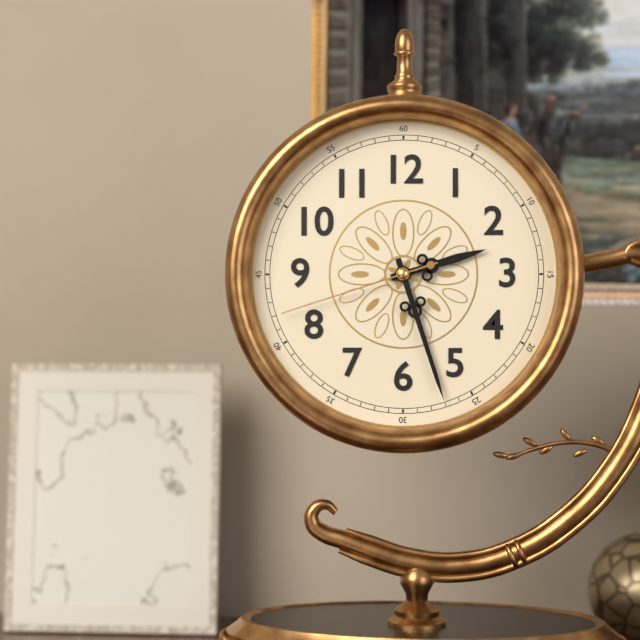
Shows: 2:27:42
